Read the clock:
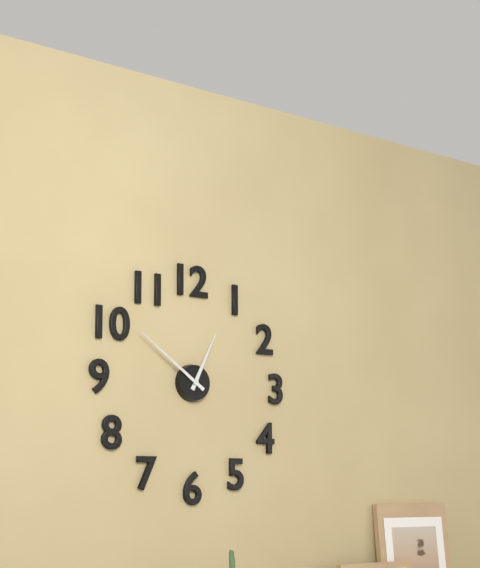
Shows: 12:51
